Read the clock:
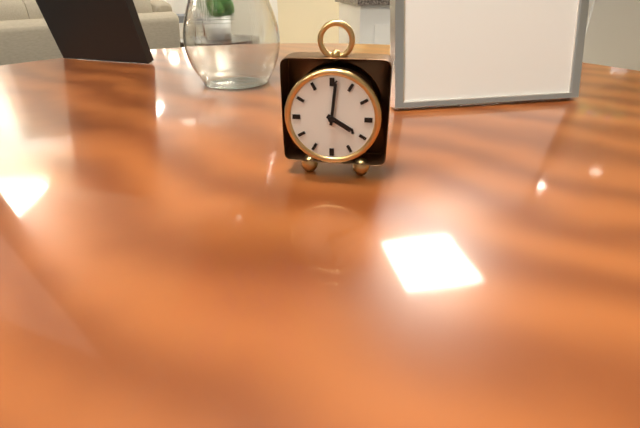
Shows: 4:01
